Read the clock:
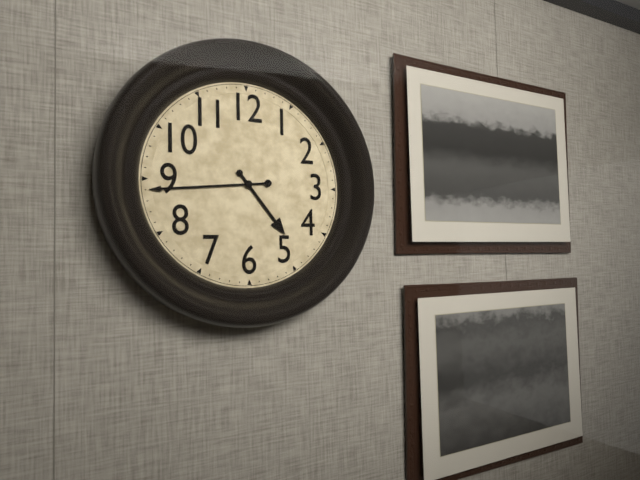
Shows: 4:44
